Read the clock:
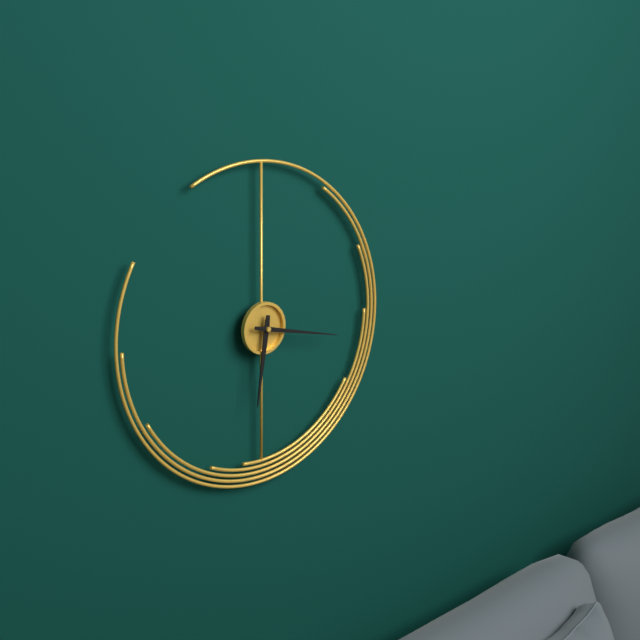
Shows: 6:17
